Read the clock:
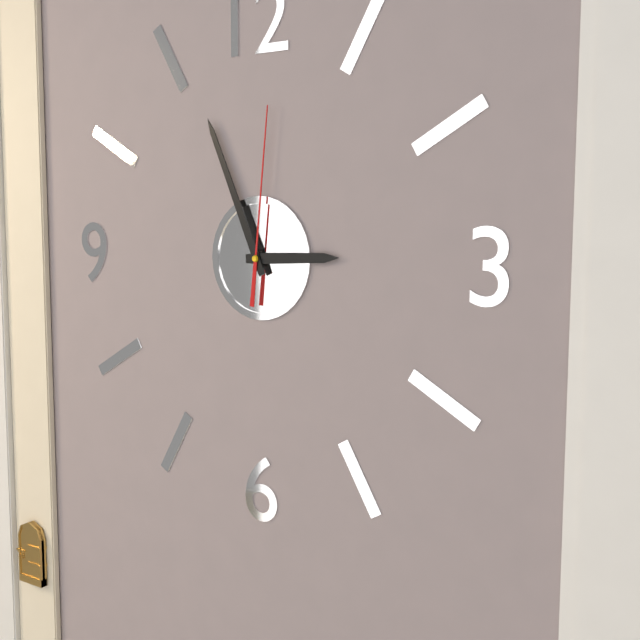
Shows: 2:56:01
